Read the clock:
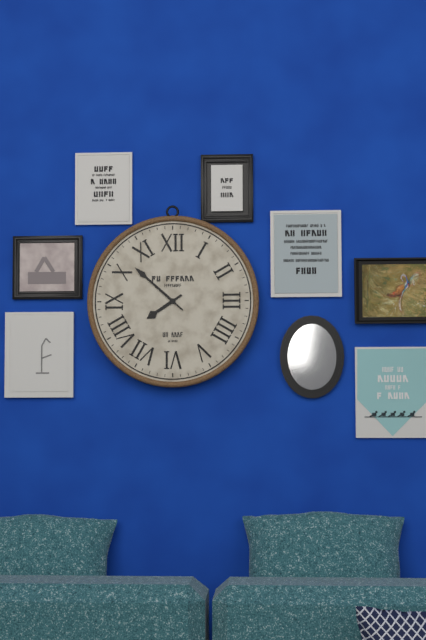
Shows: 7:52
